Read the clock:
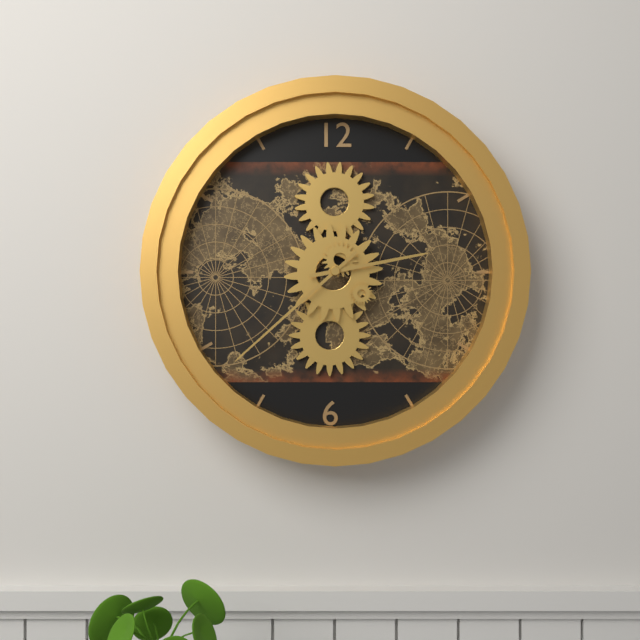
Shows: 2:38
